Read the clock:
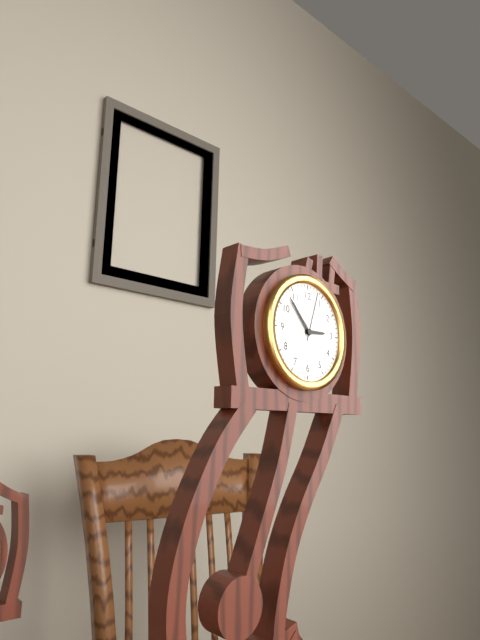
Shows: 2:53:03
